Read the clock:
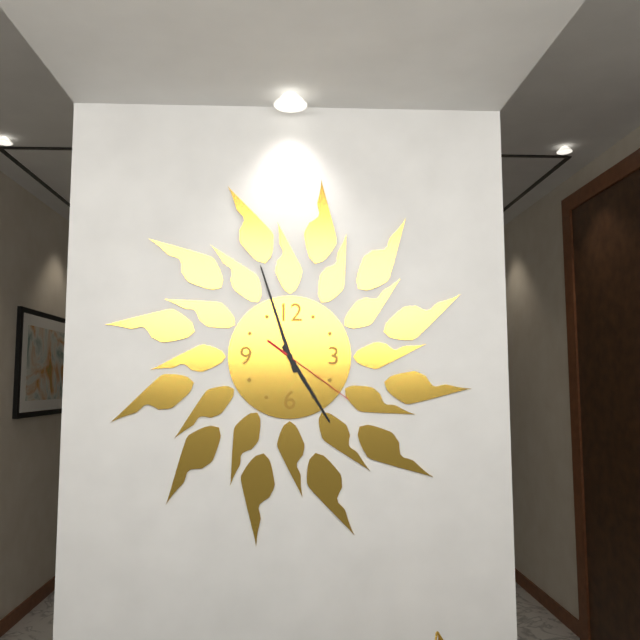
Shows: 4:57:21
